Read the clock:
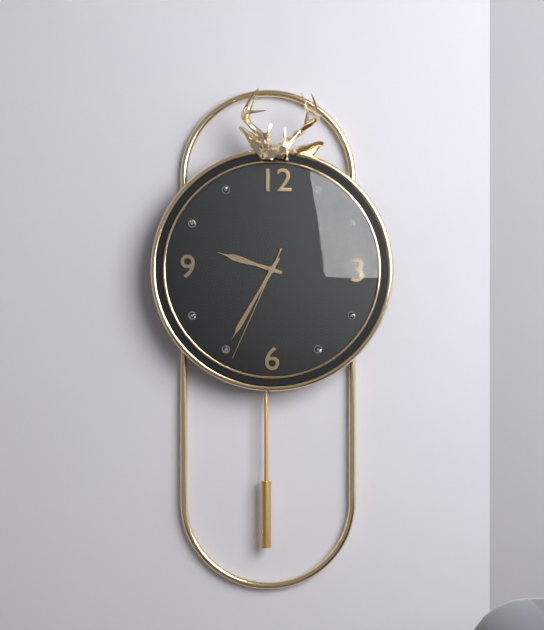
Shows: 9:35:34
